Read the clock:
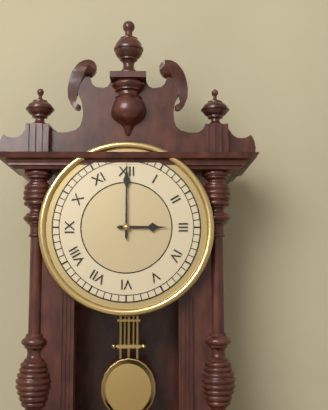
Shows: 3:00
